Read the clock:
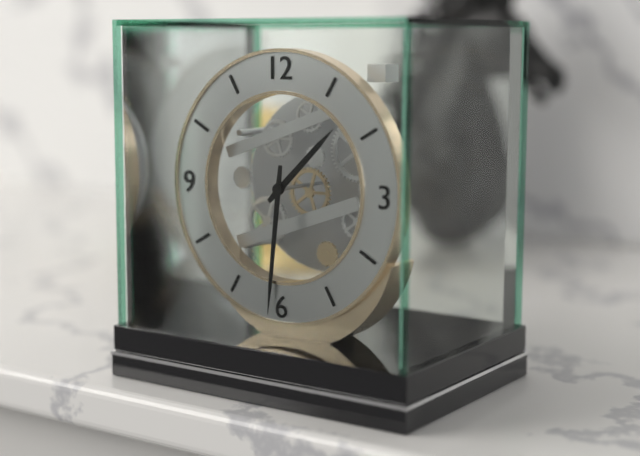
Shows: 1:31
